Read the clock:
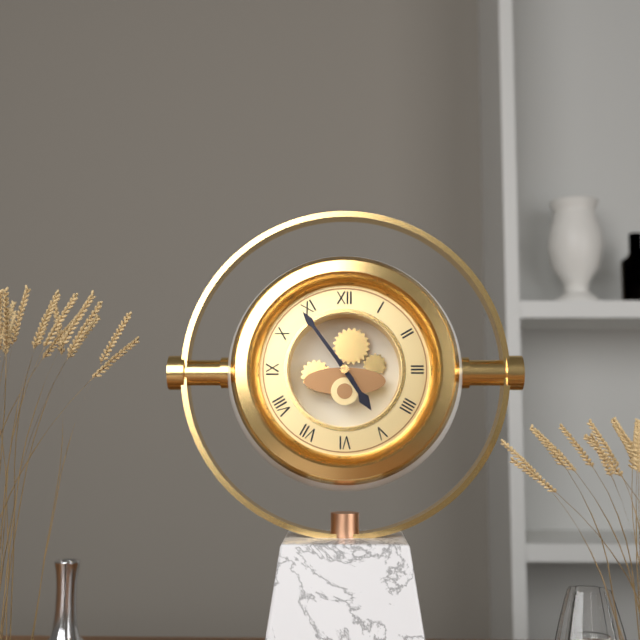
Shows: 4:54
